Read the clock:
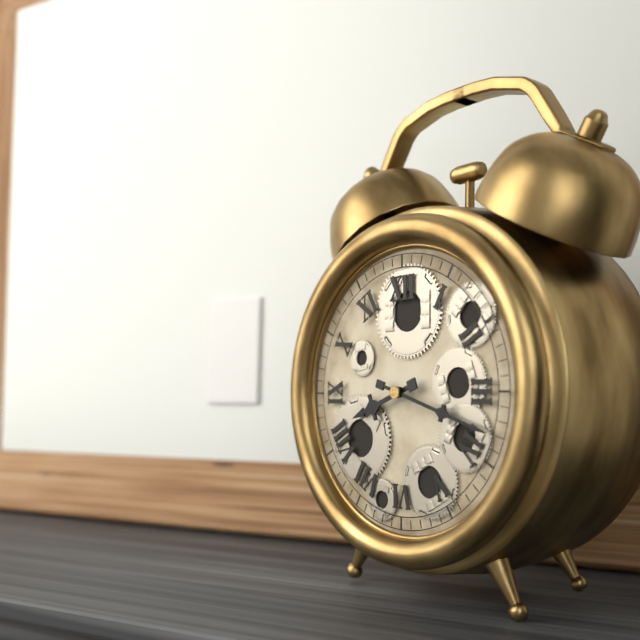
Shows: 8:18
